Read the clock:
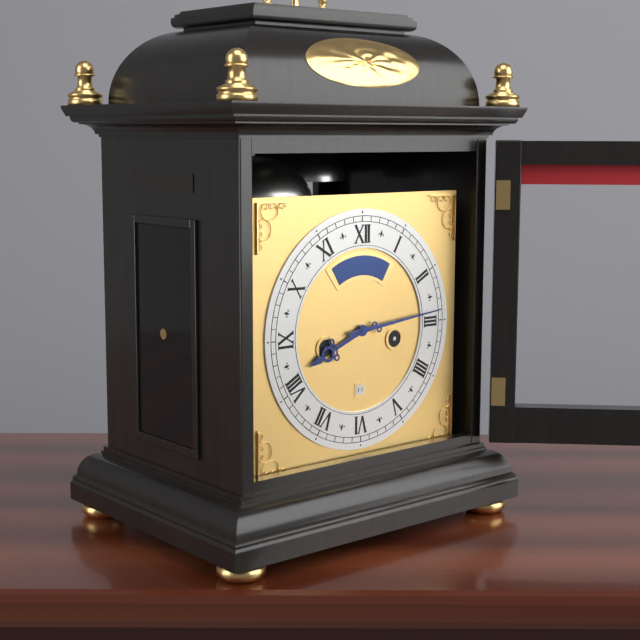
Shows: 8:14
